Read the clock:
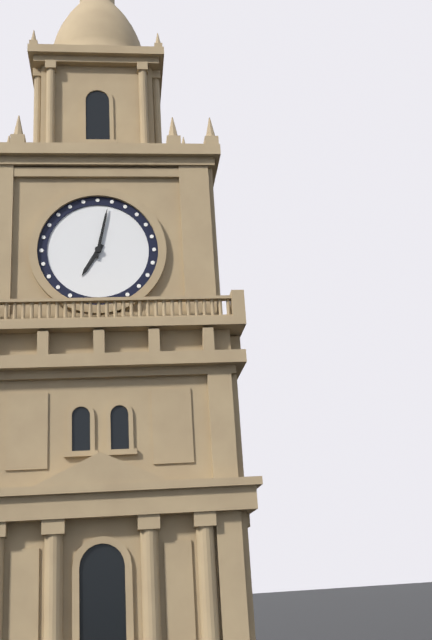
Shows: 7:02
